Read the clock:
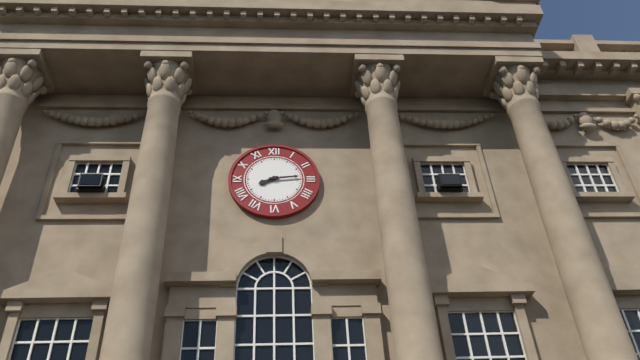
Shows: 8:14
